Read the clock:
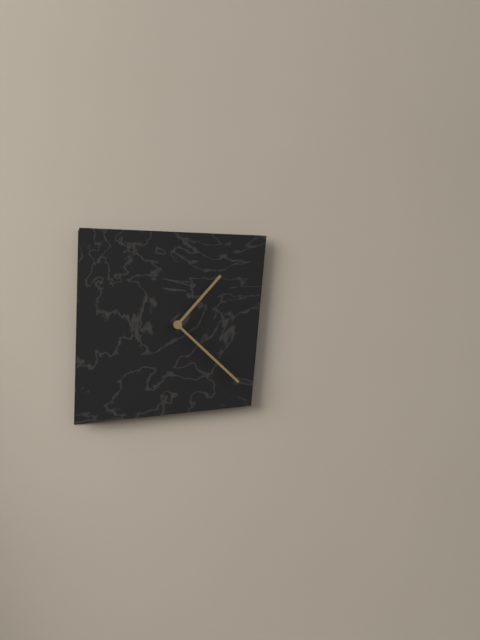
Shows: 1:22
